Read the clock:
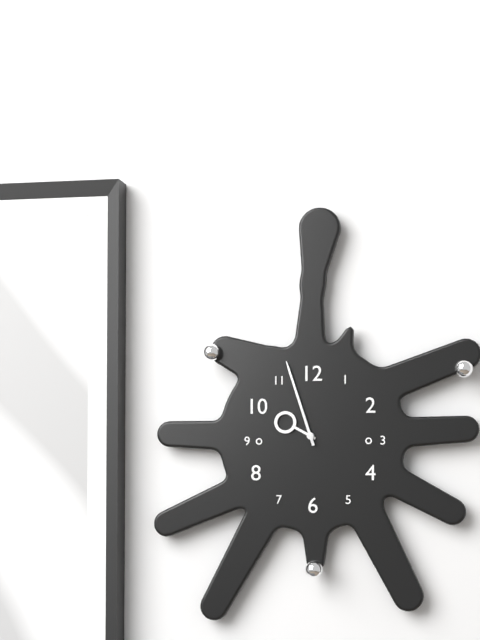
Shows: 9:57
